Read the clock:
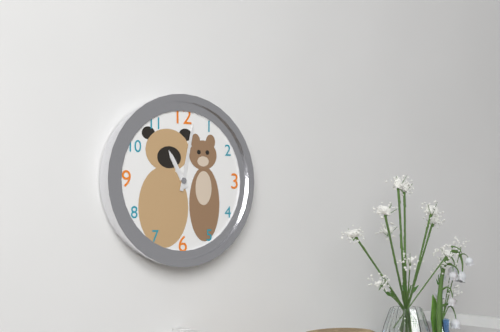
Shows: 11:02
